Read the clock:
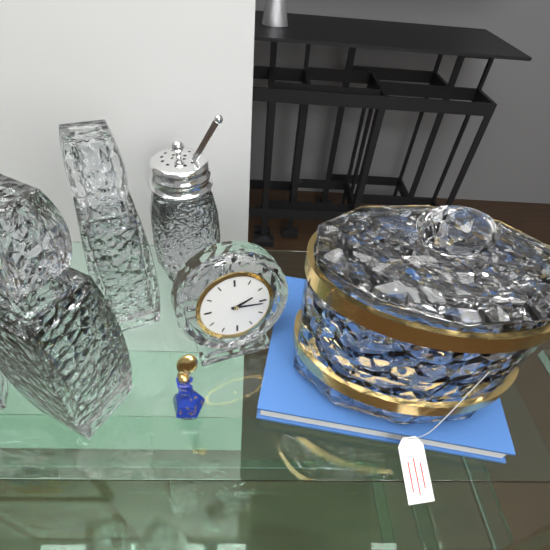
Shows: 2:16
